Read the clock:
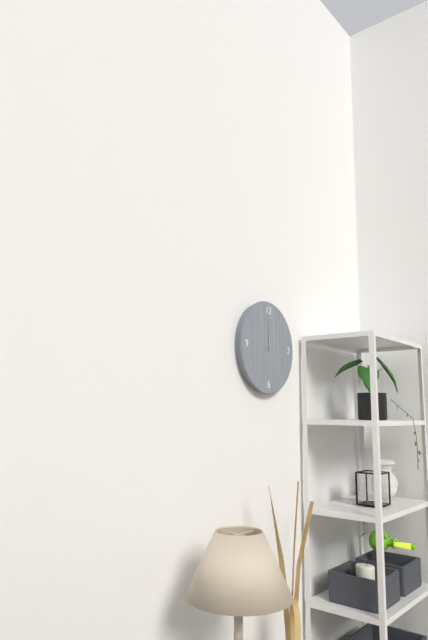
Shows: 8:00
